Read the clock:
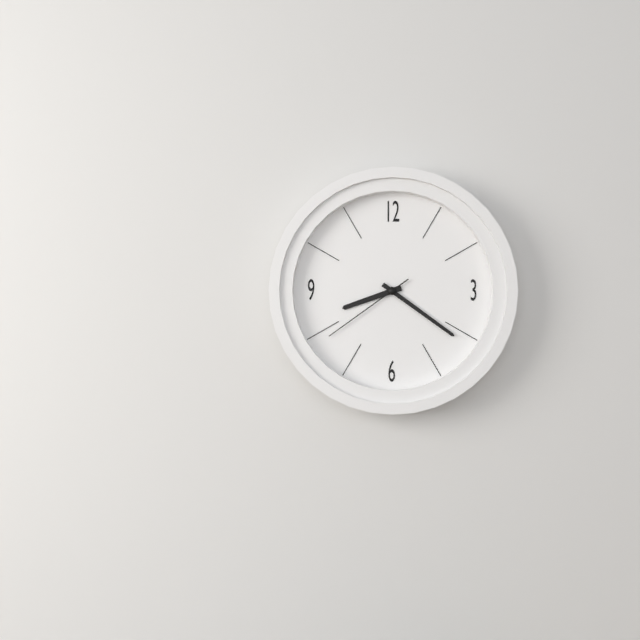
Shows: 8:21:39
